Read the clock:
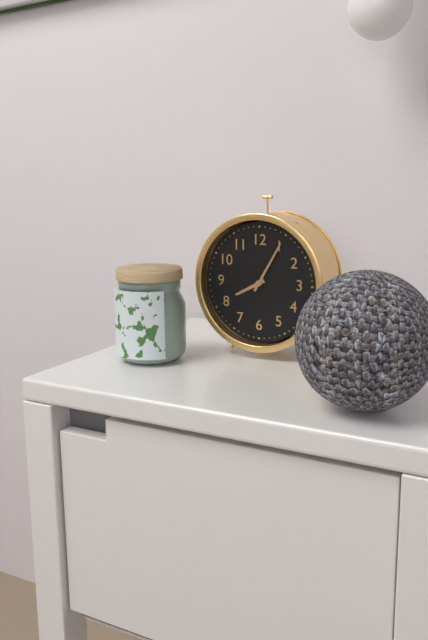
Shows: 8:05
